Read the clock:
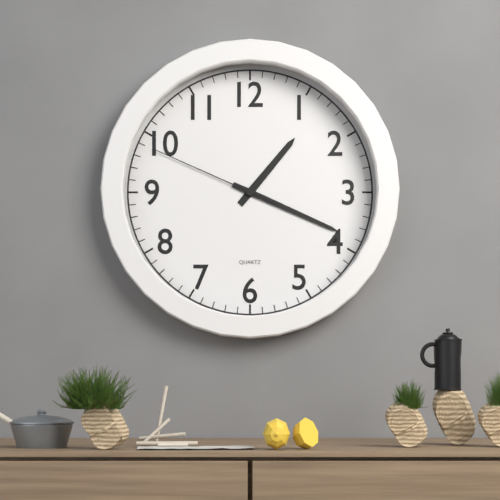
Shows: 1:19:49
